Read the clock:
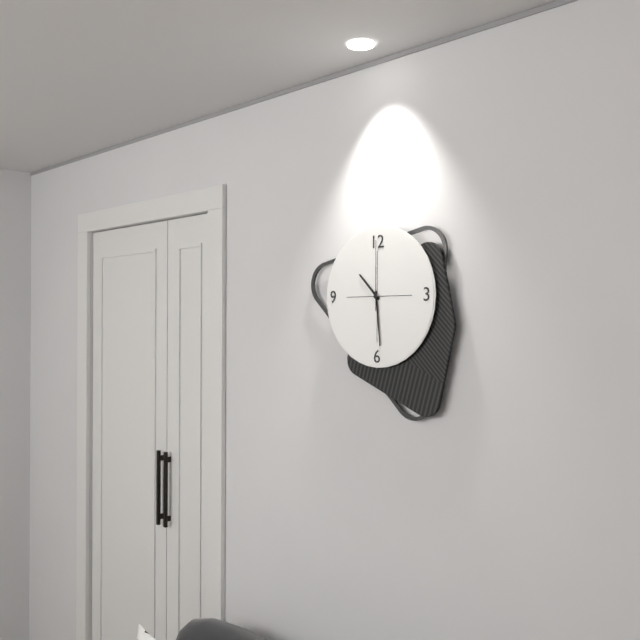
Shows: 10:29:00
